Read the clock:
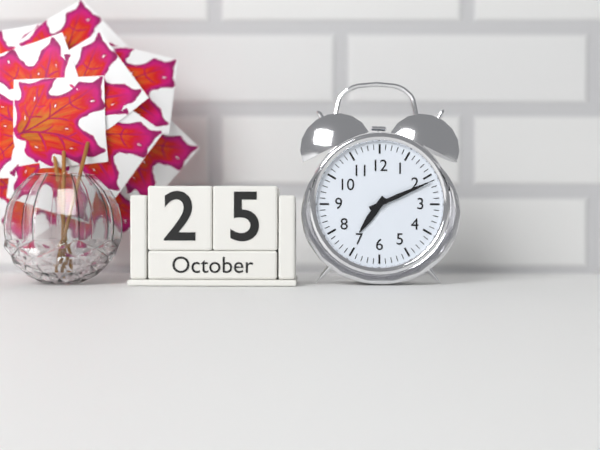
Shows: 7:11
